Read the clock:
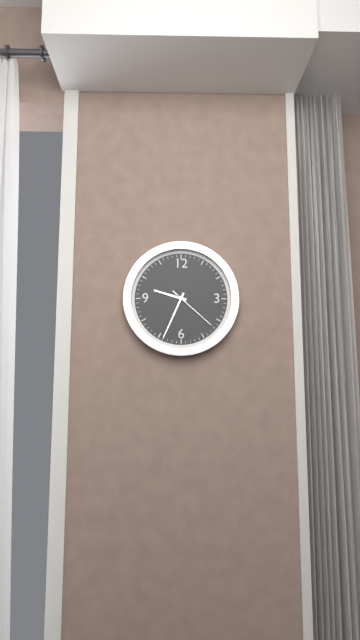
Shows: 9:34:22
